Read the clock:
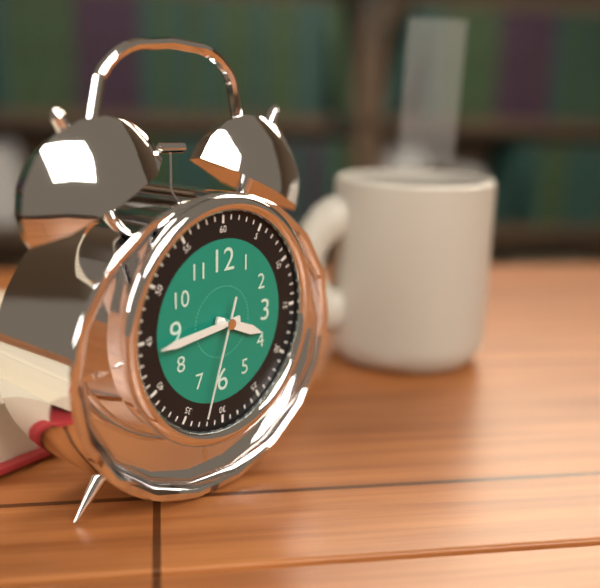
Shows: 3:44:33
